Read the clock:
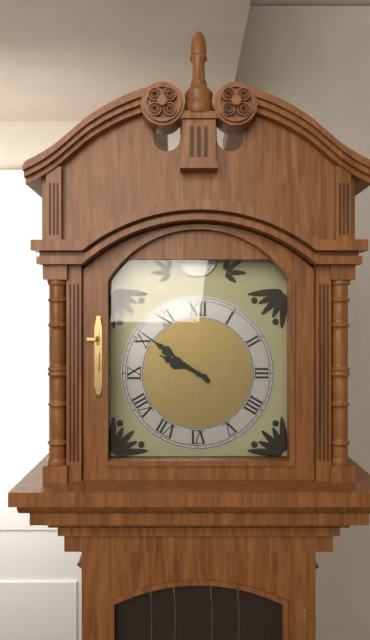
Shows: 9:51
